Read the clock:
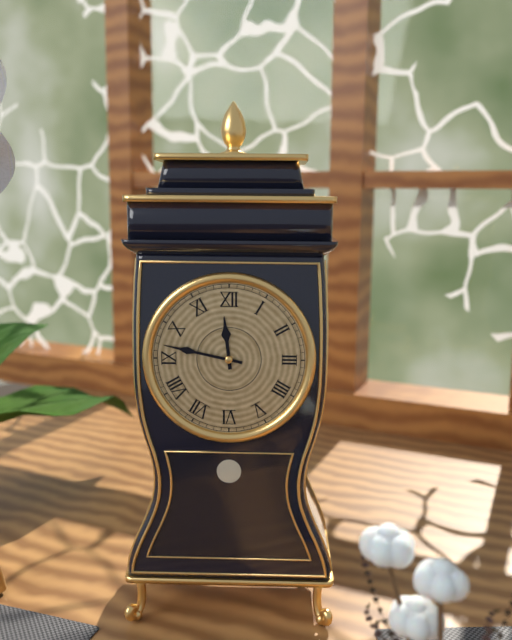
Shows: 11:47
